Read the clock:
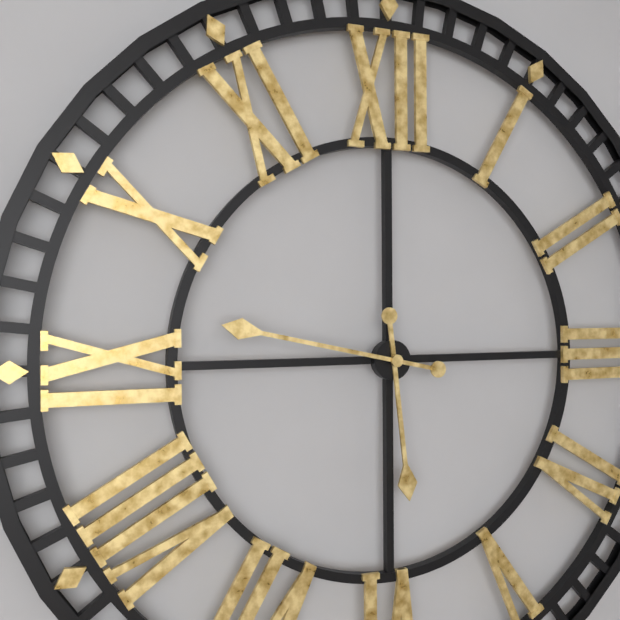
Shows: 5:47
